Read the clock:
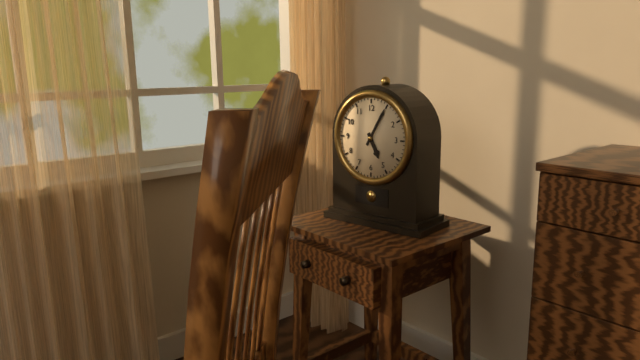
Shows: 5:05
